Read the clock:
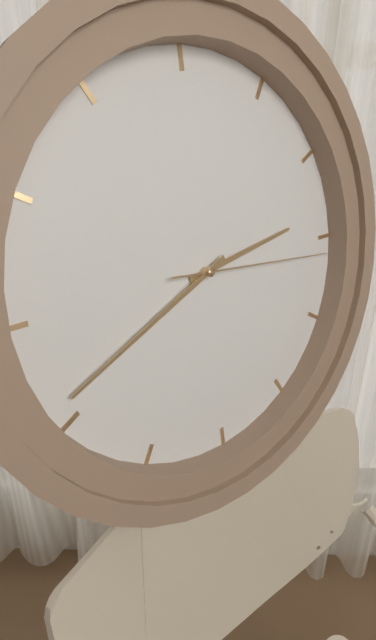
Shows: 2:41:16
